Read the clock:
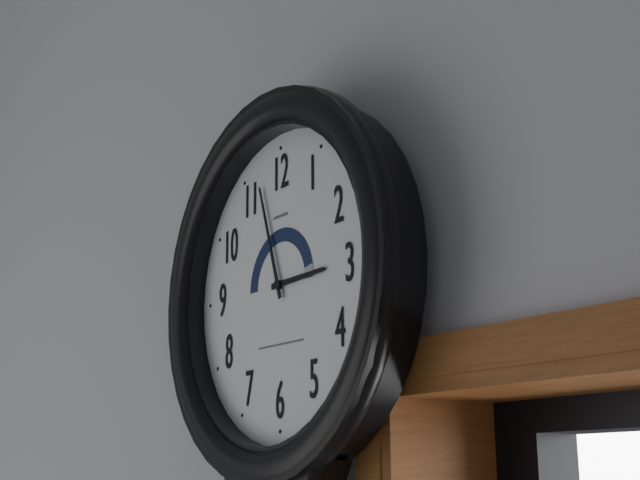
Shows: 2:57
